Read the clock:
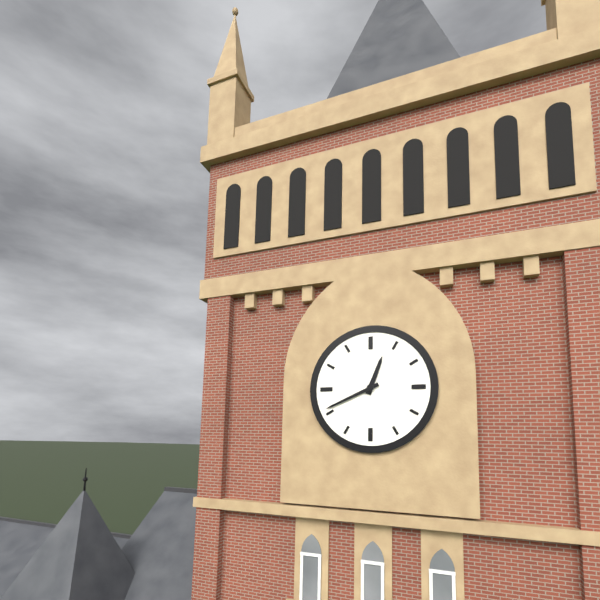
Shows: 12:41
